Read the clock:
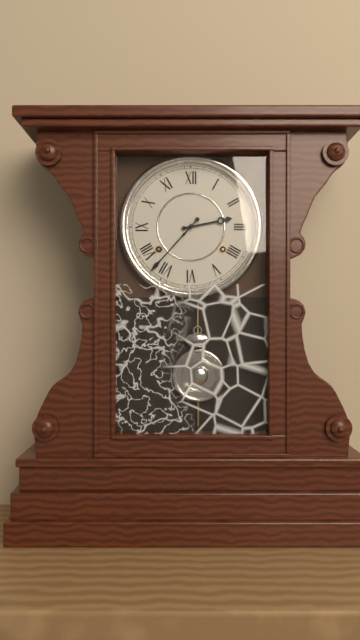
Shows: 2:37
